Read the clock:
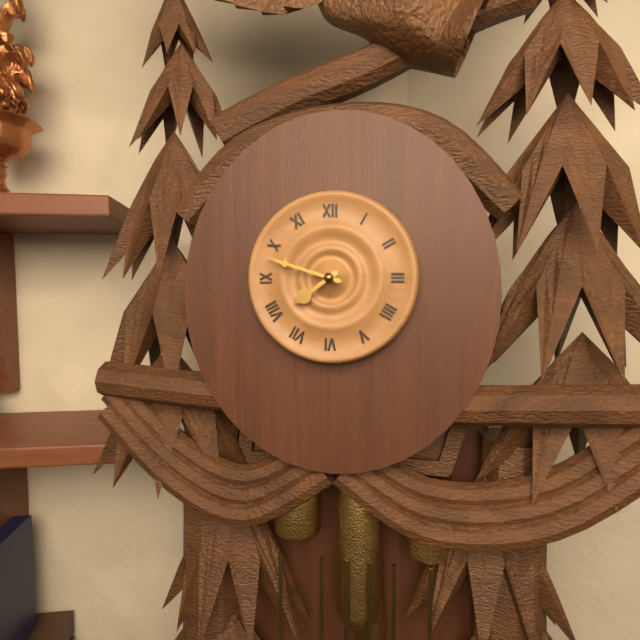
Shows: 7:48
